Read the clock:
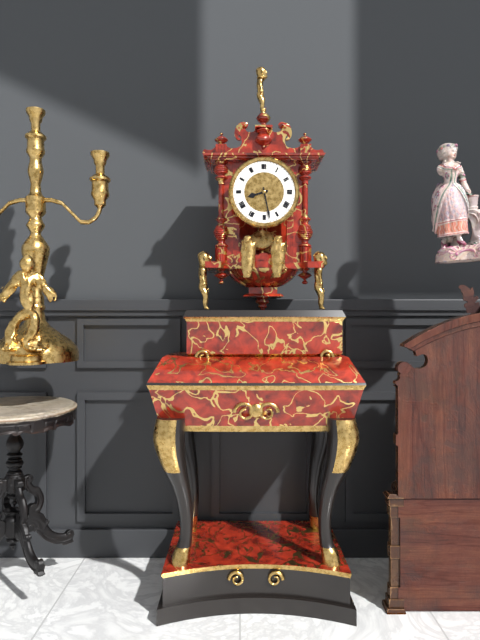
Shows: 8:28
